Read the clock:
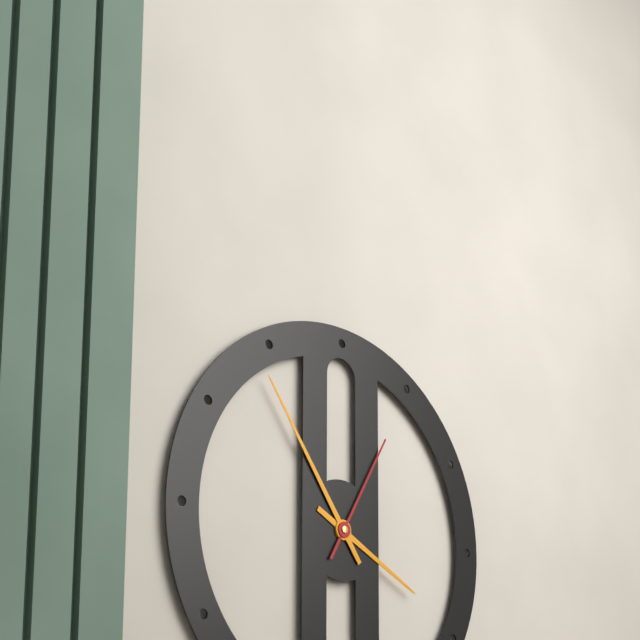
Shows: 3:54:05
